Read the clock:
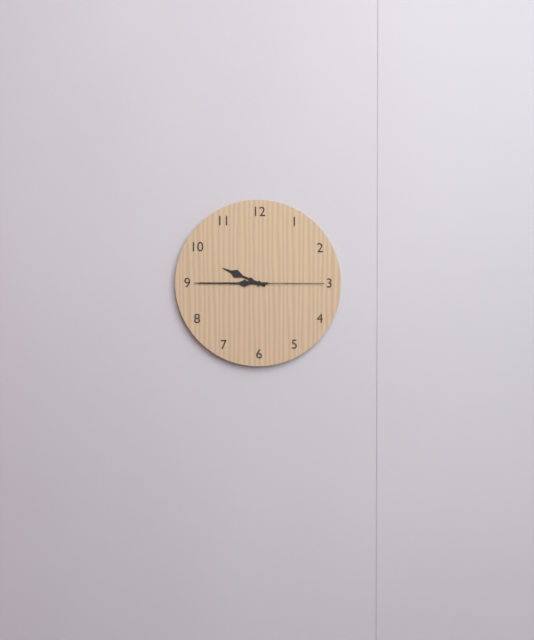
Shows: 9:45:15
